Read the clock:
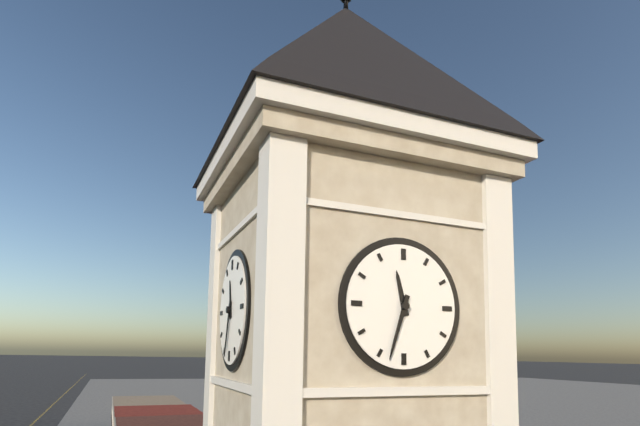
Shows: 11:33
